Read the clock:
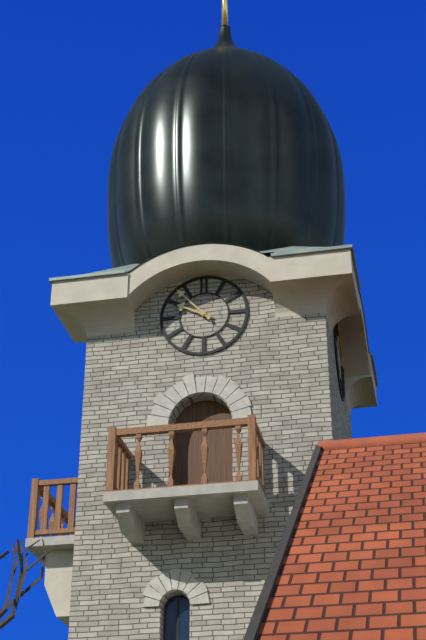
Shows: 9:53
